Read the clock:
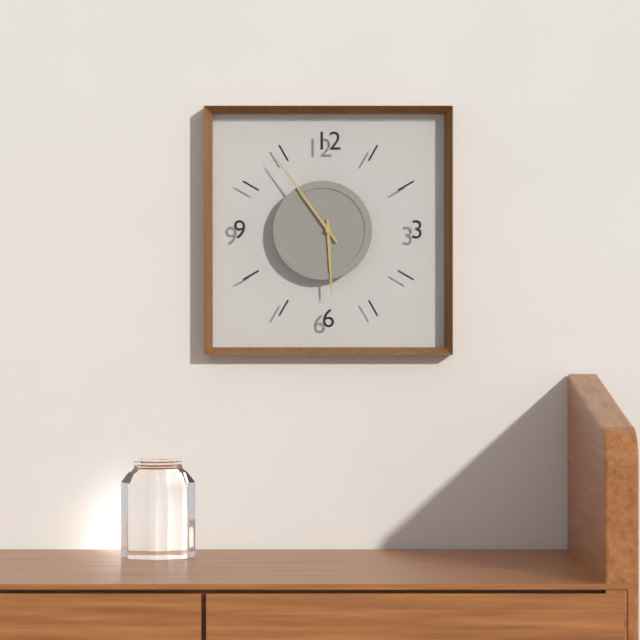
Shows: 5:54
